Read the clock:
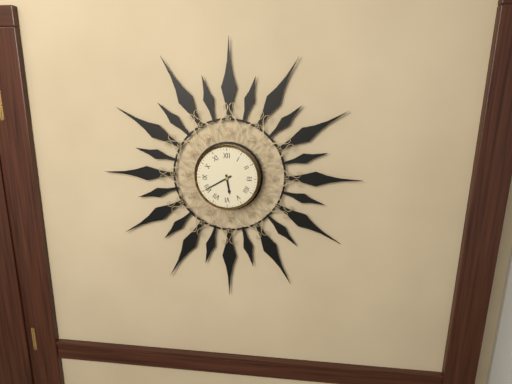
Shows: 5:40
